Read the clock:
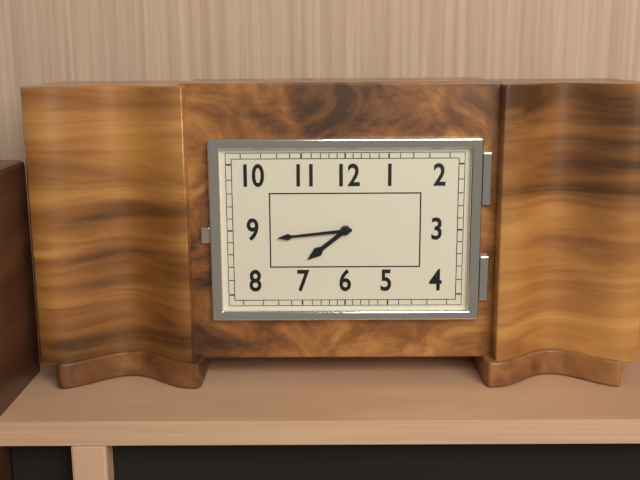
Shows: 7:44
